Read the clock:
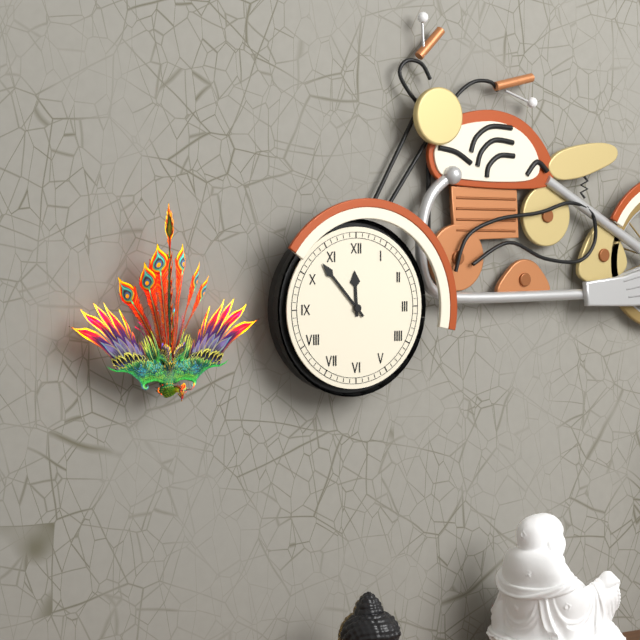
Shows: 11:53
